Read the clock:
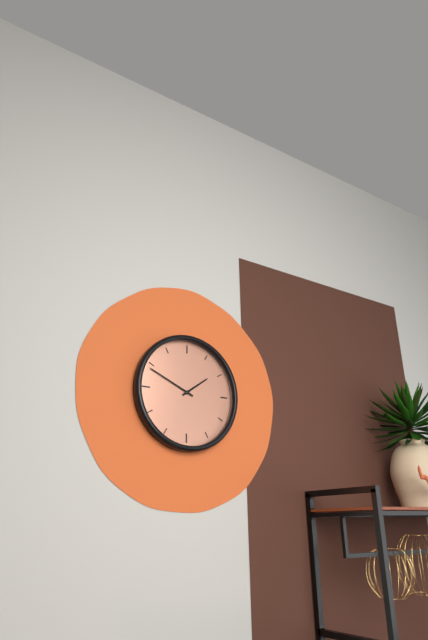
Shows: 1:49
